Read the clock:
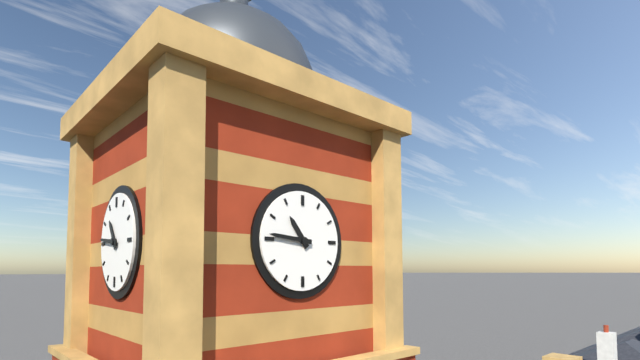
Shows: 10:46
